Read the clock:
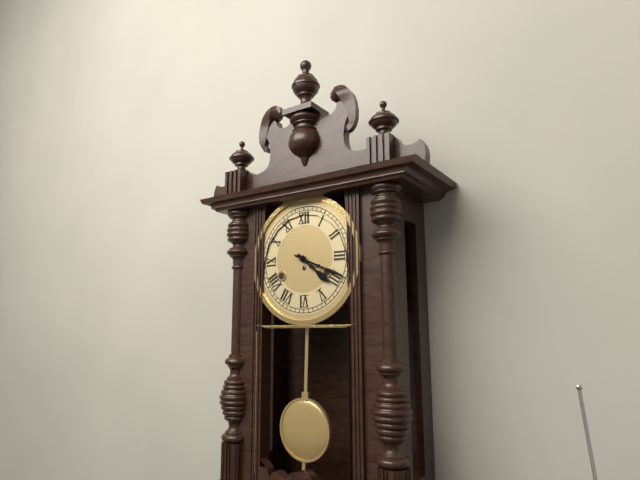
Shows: 4:19
